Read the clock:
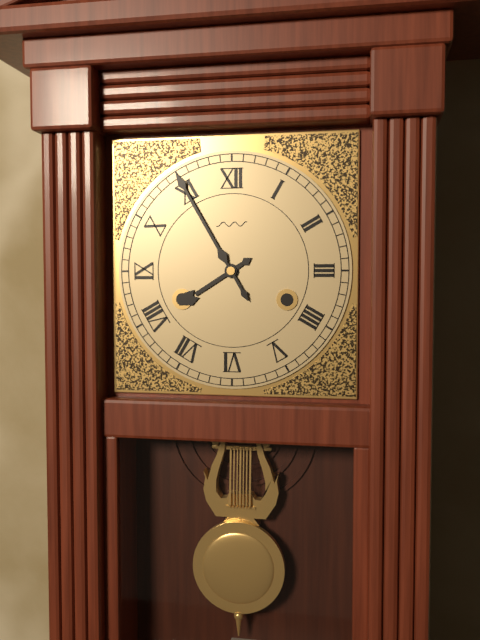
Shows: 7:55
